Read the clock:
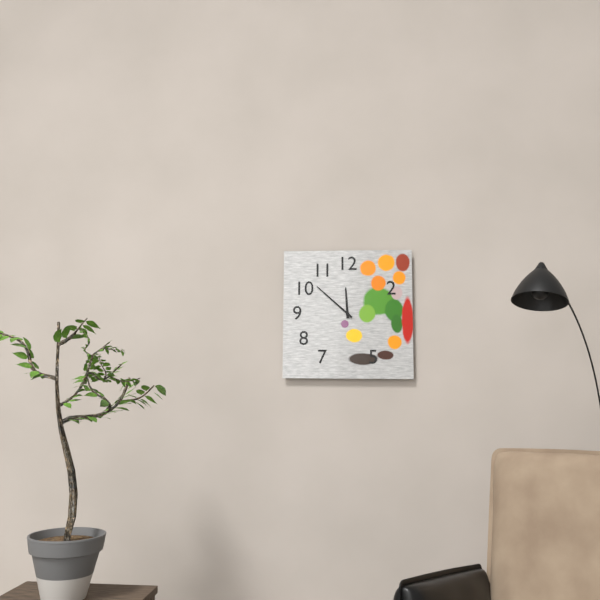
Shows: 11:52
